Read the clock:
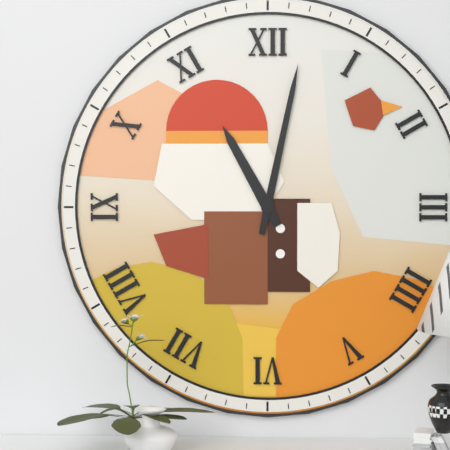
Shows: 11:02
